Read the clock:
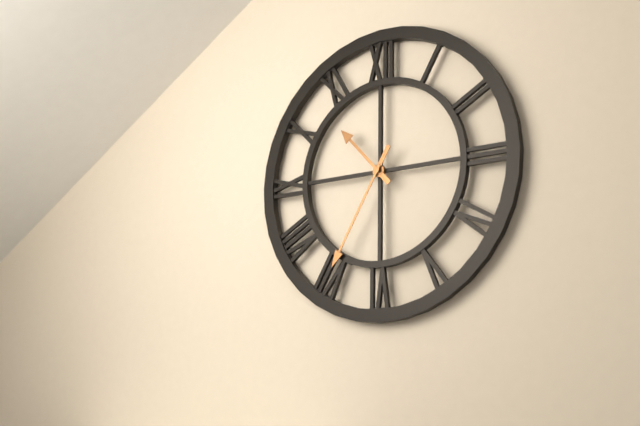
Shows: 10:35
